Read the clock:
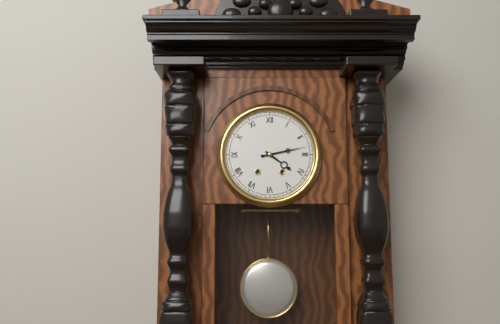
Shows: 4:13
